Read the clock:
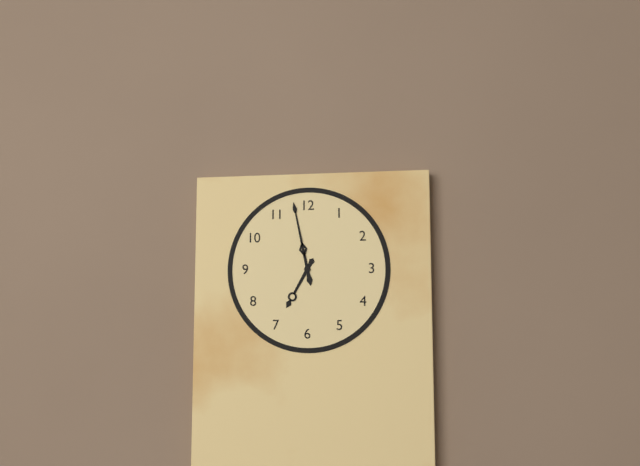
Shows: 6:58
